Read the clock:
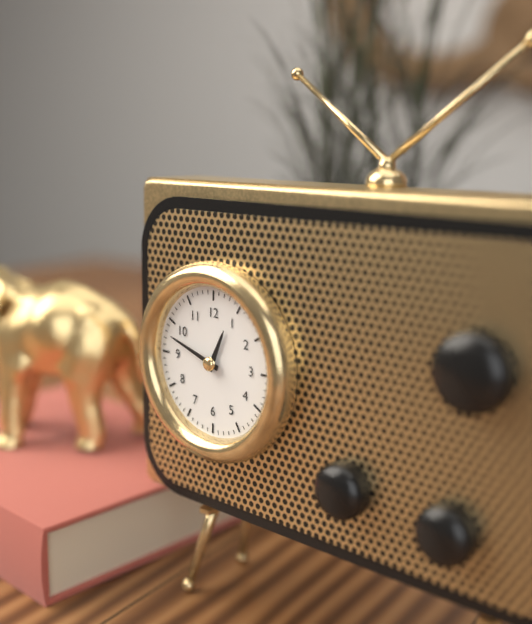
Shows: 12:48
